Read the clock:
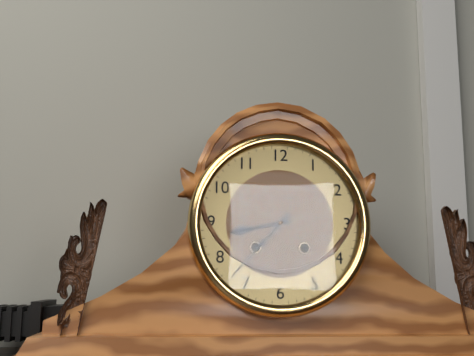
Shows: 8:37
